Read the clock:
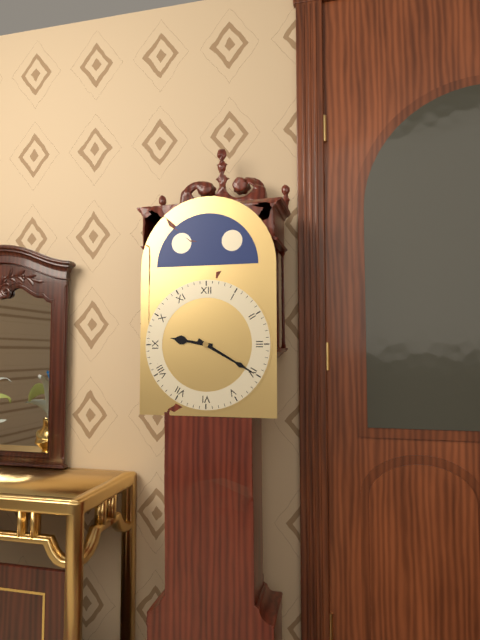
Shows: 9:20
